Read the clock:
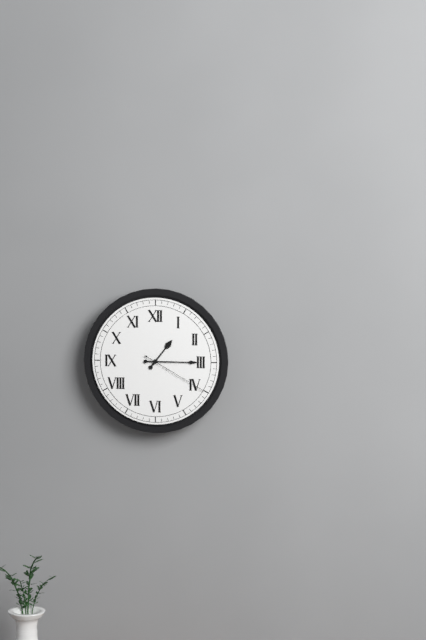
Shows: 1:15:20
